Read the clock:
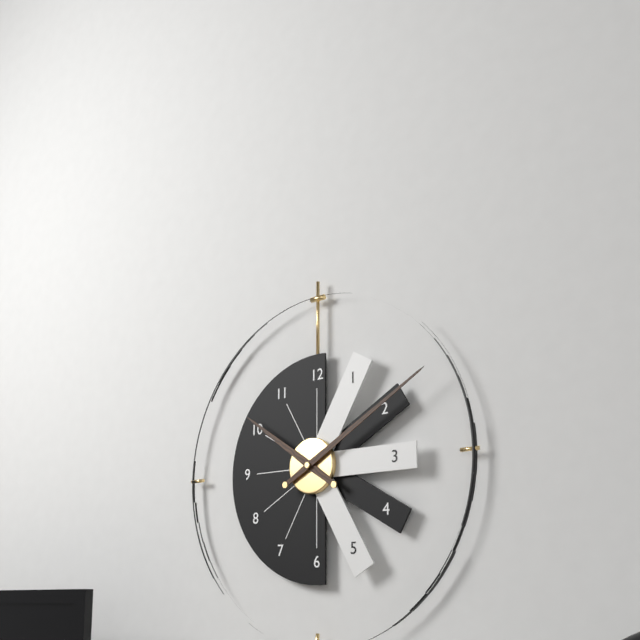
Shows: 10:10
